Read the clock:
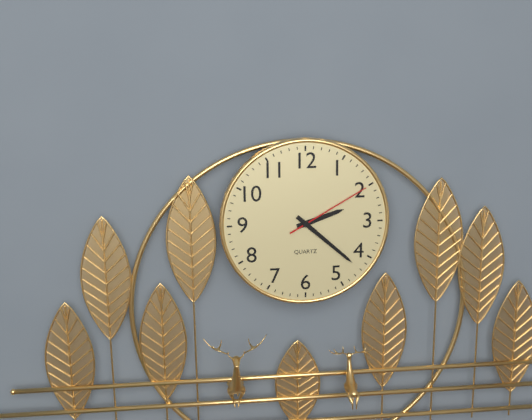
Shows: 2:22:10
